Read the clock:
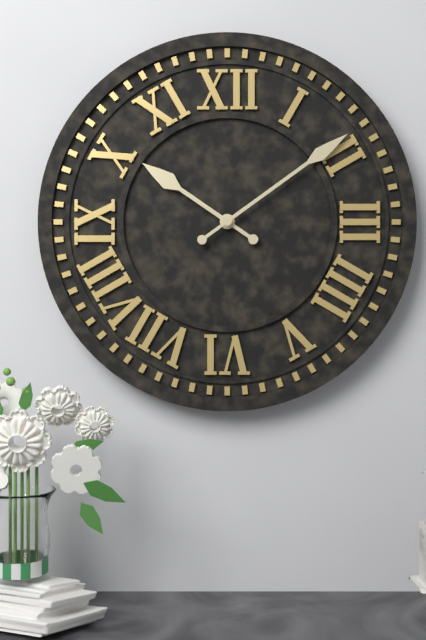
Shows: 10:09
